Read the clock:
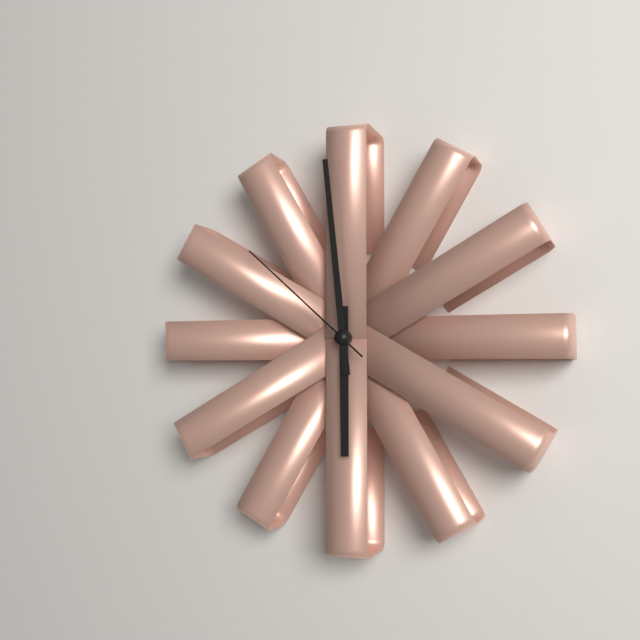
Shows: 5:59:52
